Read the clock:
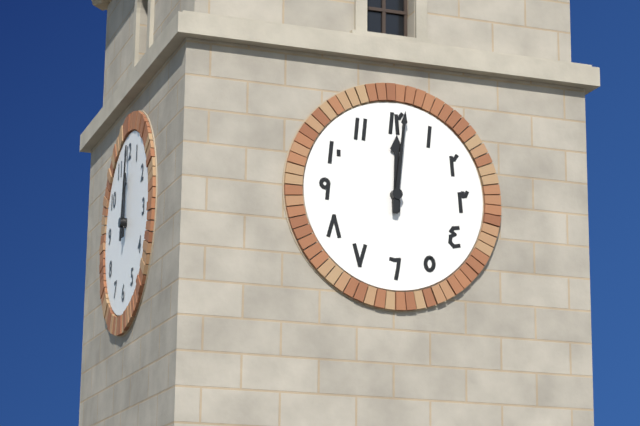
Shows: 12:01
